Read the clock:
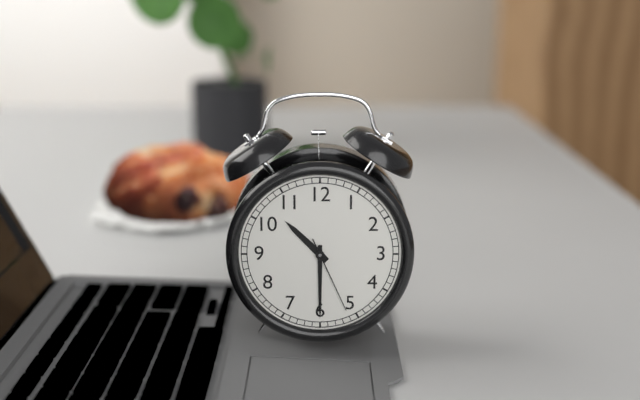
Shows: 10:30:26
